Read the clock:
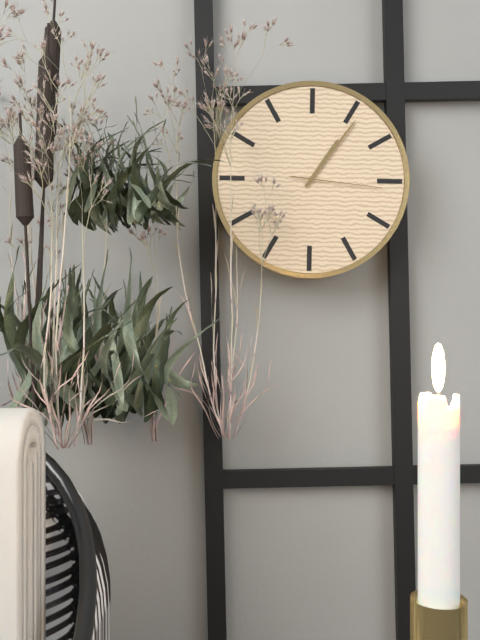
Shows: 1:06:16
